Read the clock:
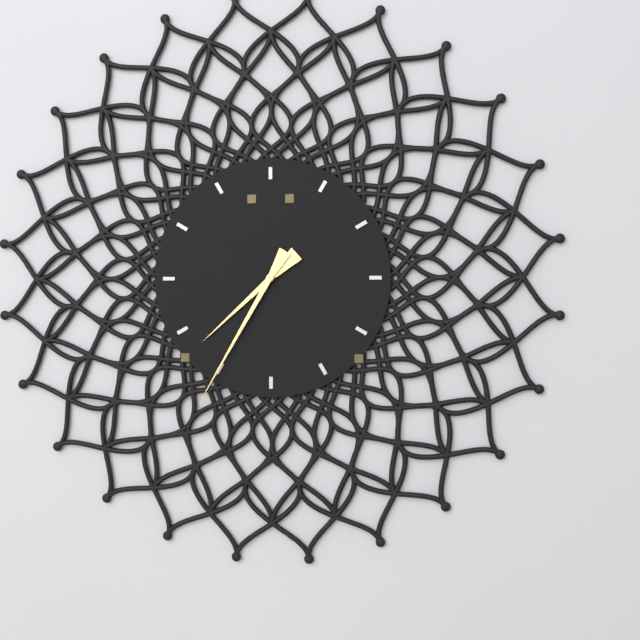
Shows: 7:35
